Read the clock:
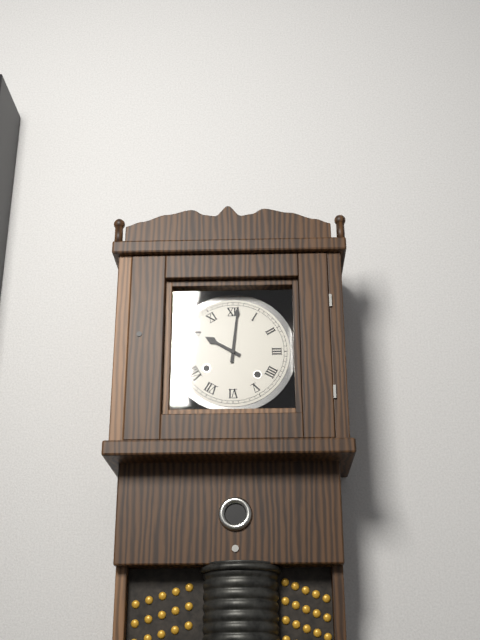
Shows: 10:01
